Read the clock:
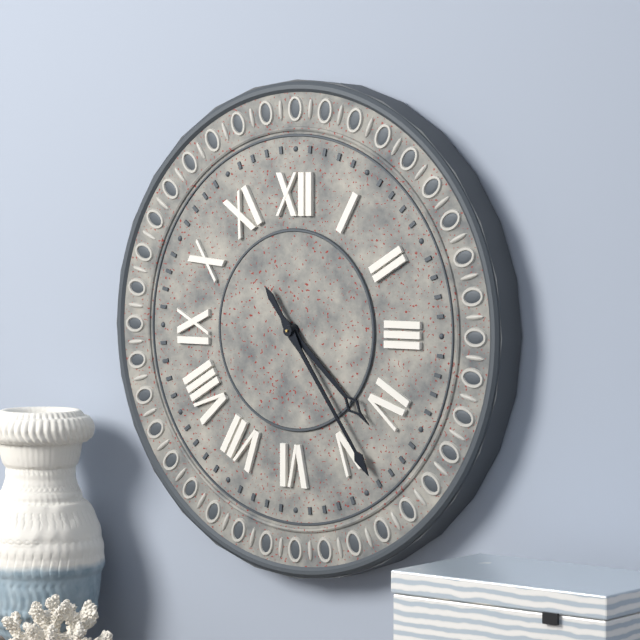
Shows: 4:24
